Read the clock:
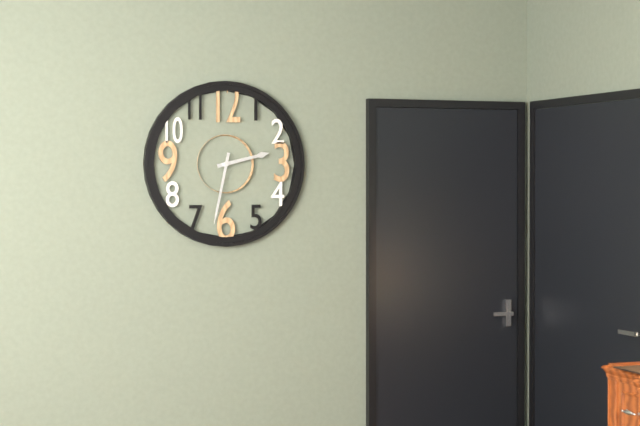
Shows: 2:32
